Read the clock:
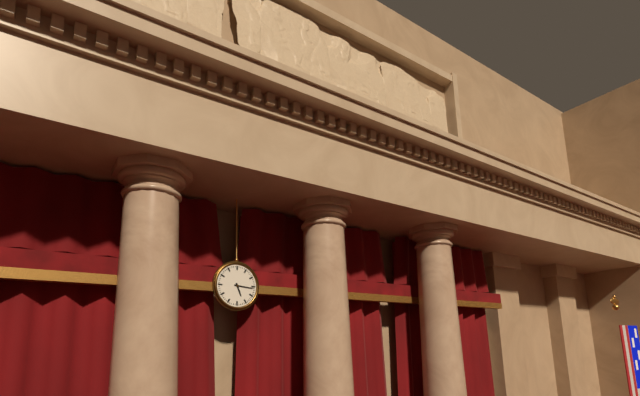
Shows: 5:16
